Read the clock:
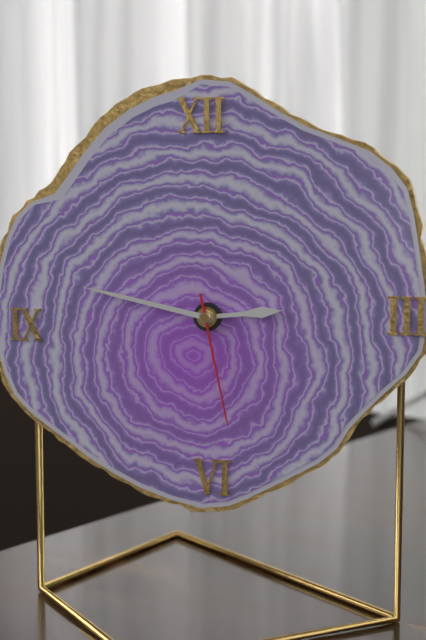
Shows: 2:47:28
